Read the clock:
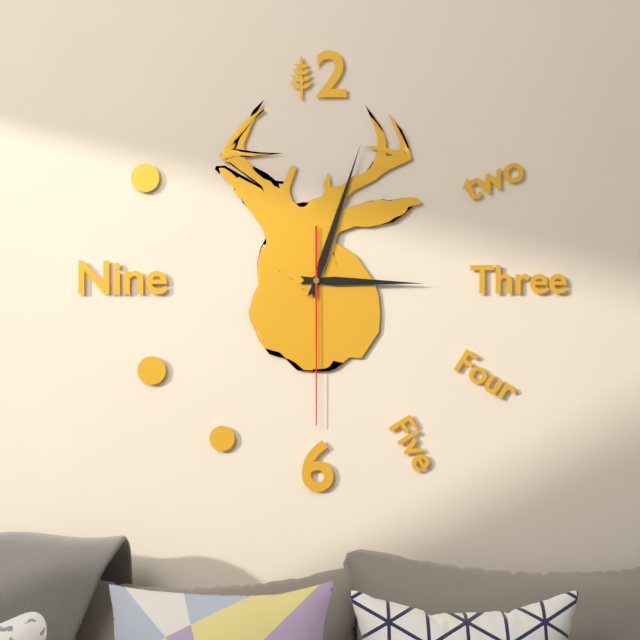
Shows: 3:03:30
